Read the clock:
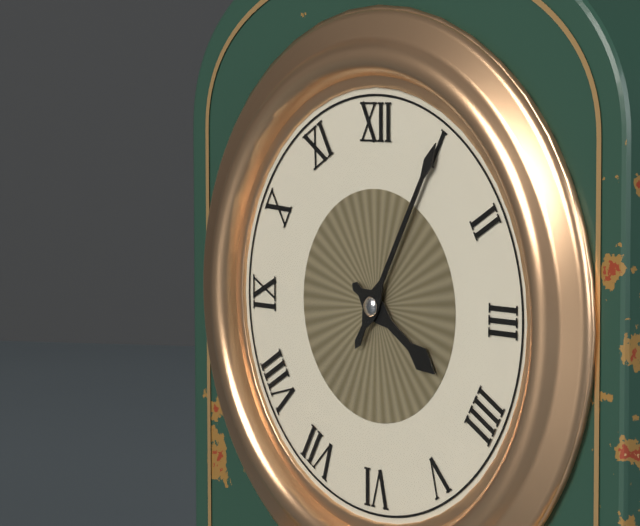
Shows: 4:05
